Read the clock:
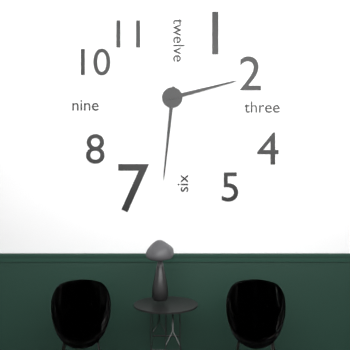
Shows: 2:31
